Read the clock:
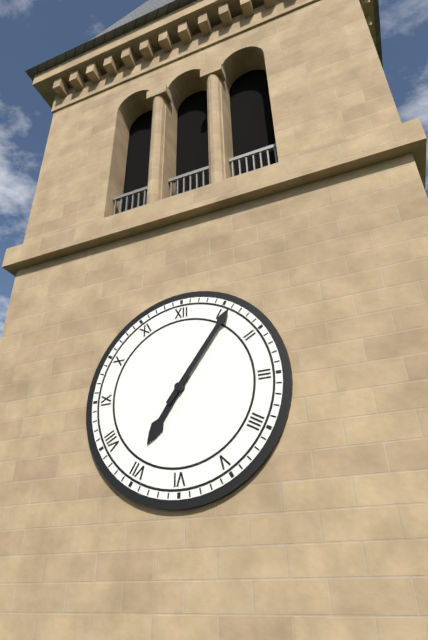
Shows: 7:06
